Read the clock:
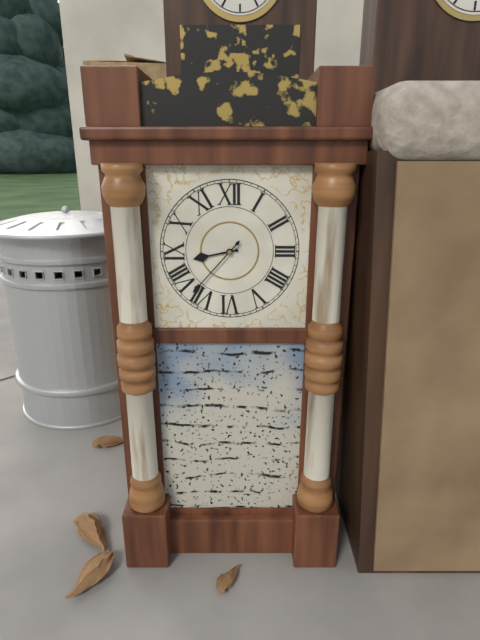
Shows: 8:37
